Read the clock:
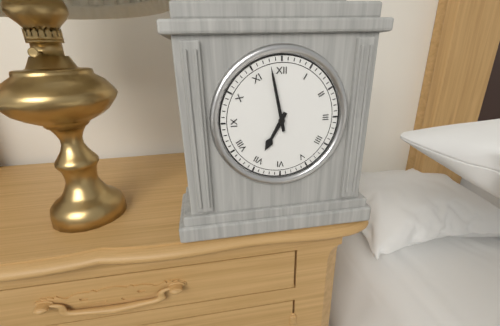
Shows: 6:58
